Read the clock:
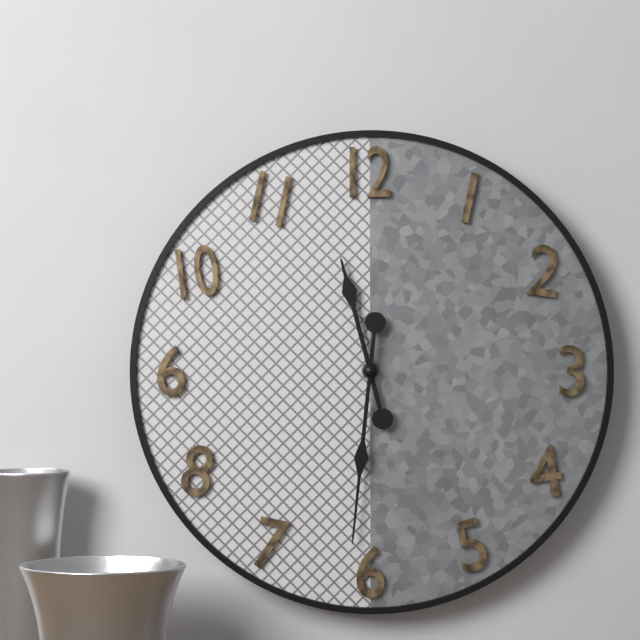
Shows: 11:31
